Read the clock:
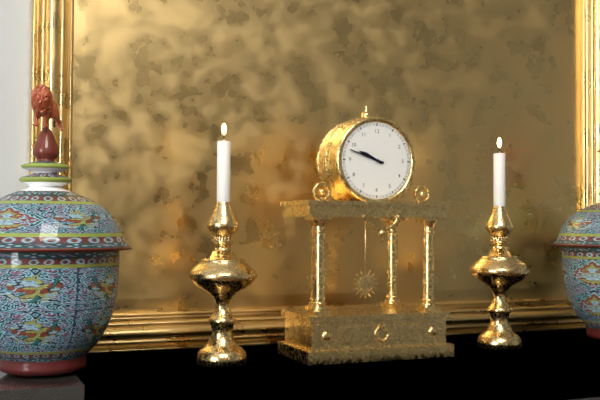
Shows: 9:48
